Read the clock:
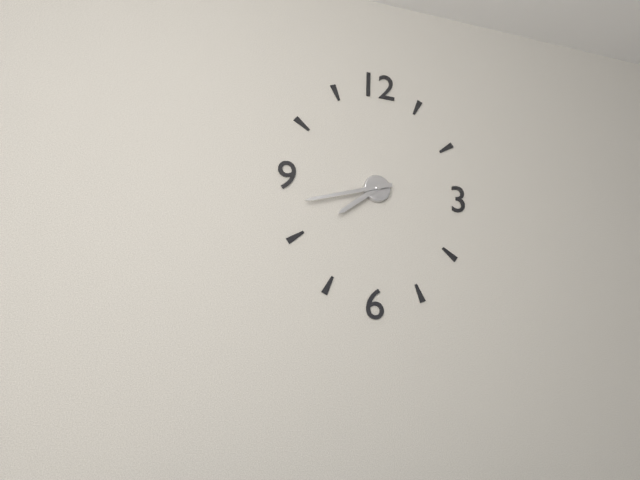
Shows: 7:42
